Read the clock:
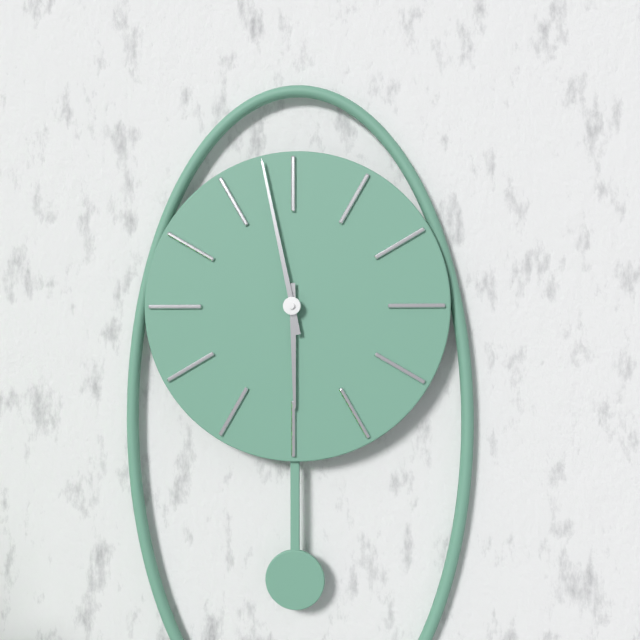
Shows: 5:58
